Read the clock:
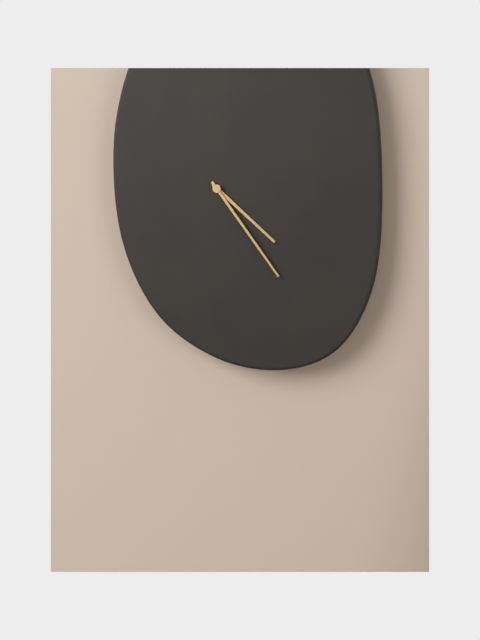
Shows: 4:24
